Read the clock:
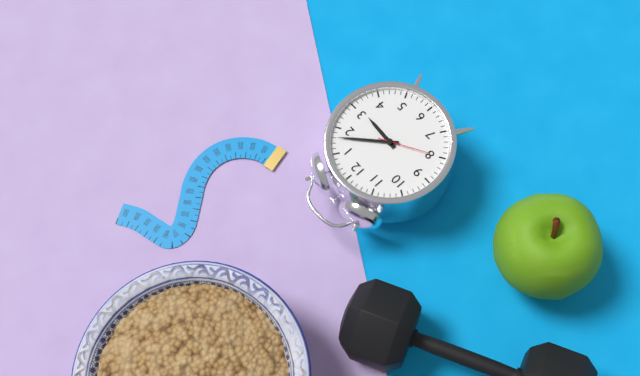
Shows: 3:08:40
